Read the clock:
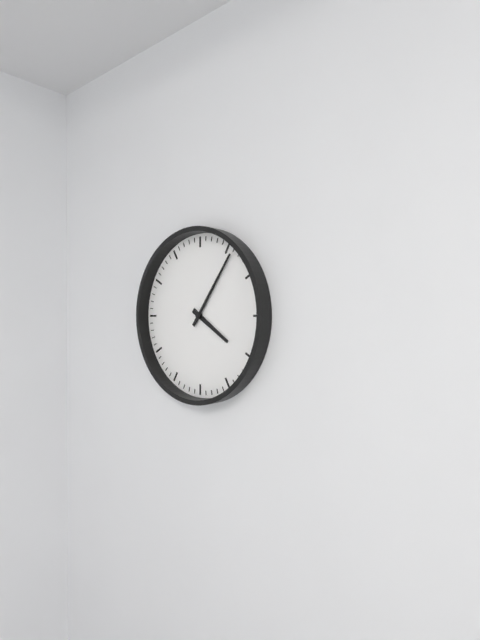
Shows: 4:06
